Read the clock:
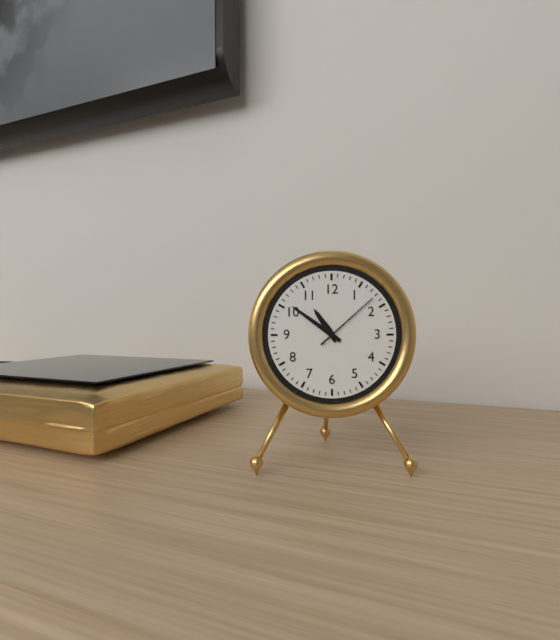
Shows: 10:51:08
